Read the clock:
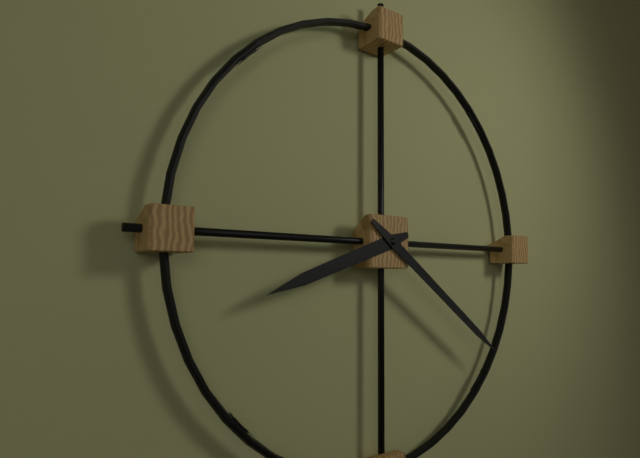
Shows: 8:21
